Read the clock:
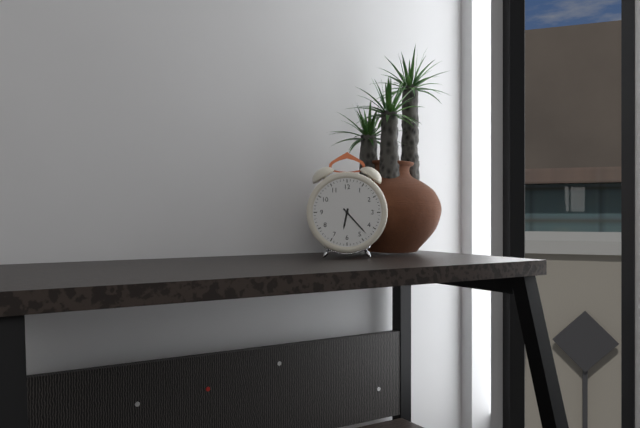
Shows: 6:23
